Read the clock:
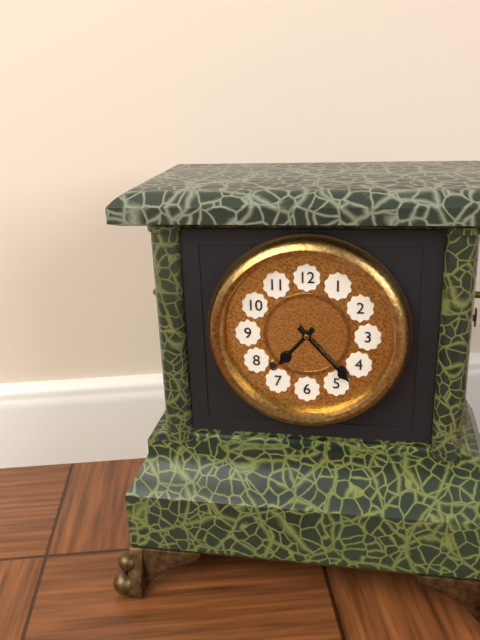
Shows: 7:23
